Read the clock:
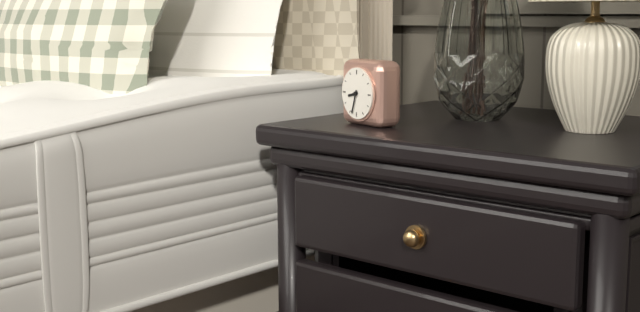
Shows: 8:33
